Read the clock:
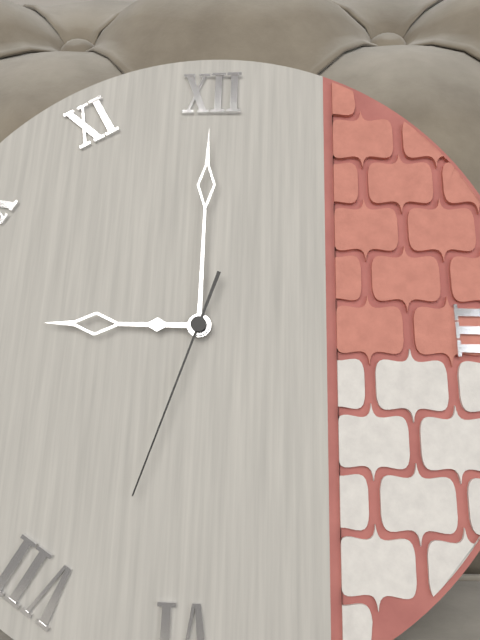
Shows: 9:00:33
